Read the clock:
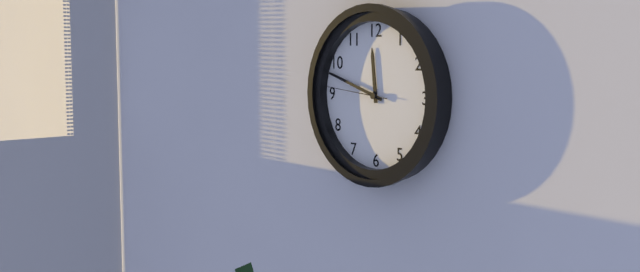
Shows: 11:48:46
